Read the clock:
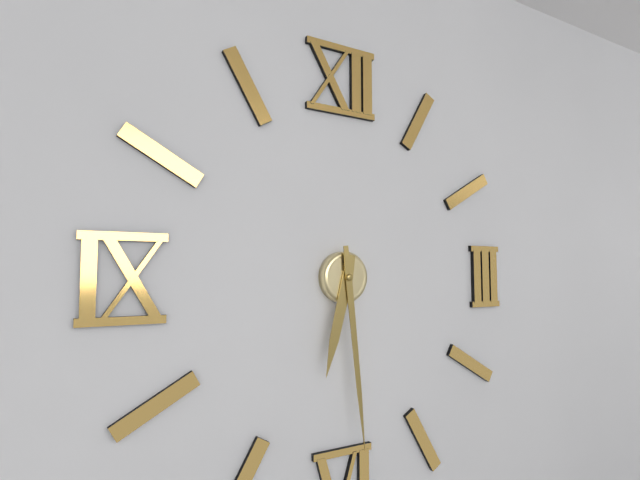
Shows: 6:29
